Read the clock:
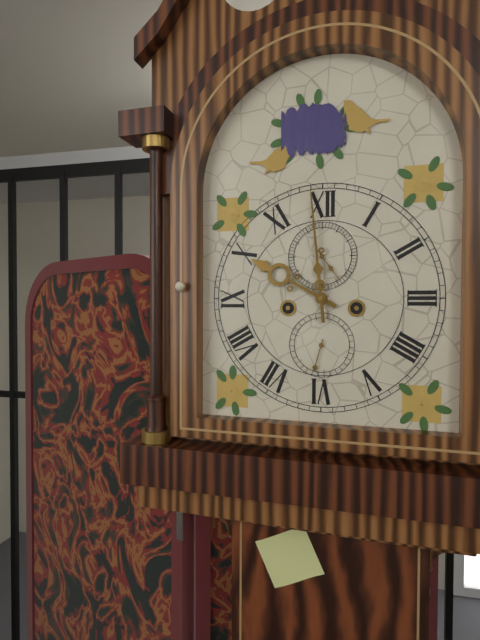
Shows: 9:59
